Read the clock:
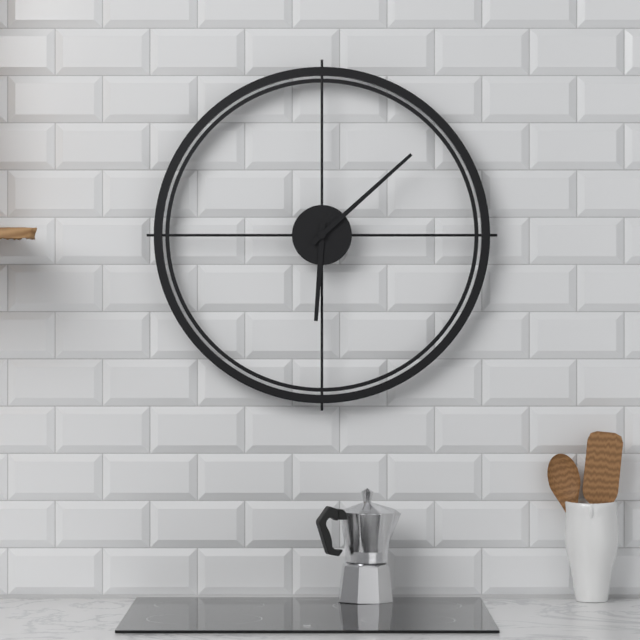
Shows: 6:08
